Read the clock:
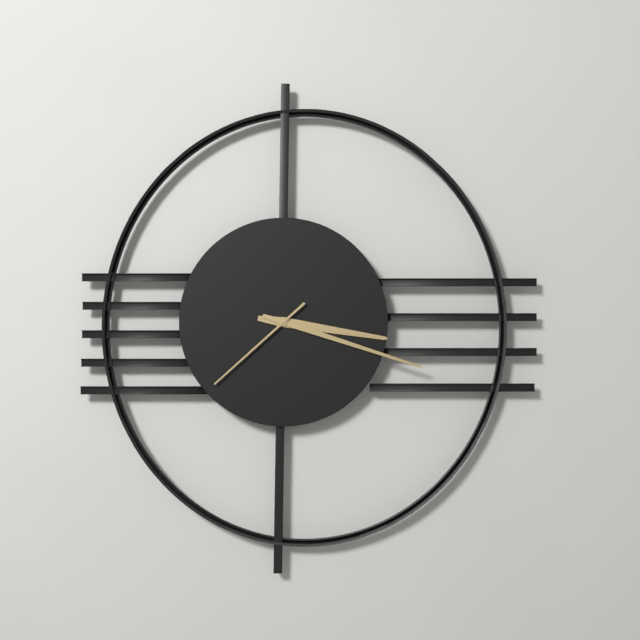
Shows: 3:18:38
